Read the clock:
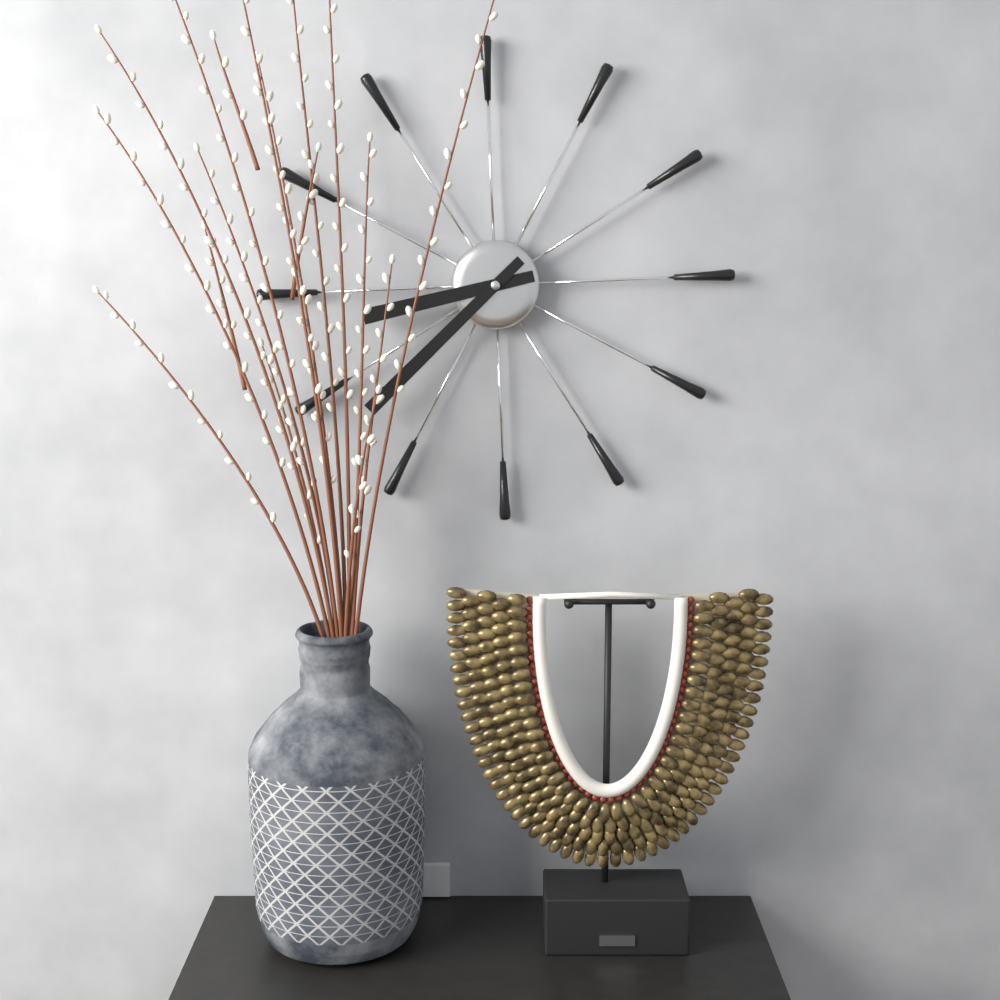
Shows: 8:38
